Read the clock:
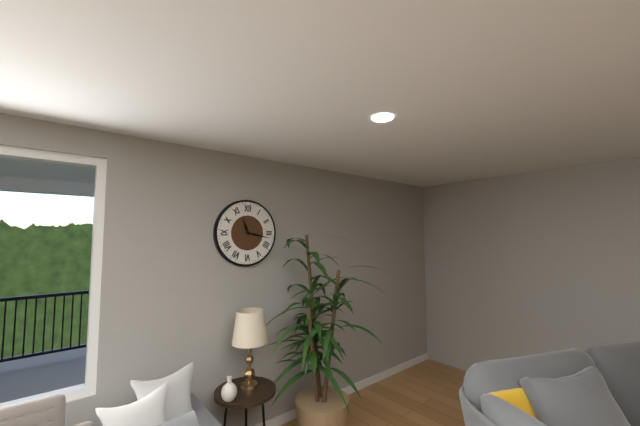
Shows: 11:17
